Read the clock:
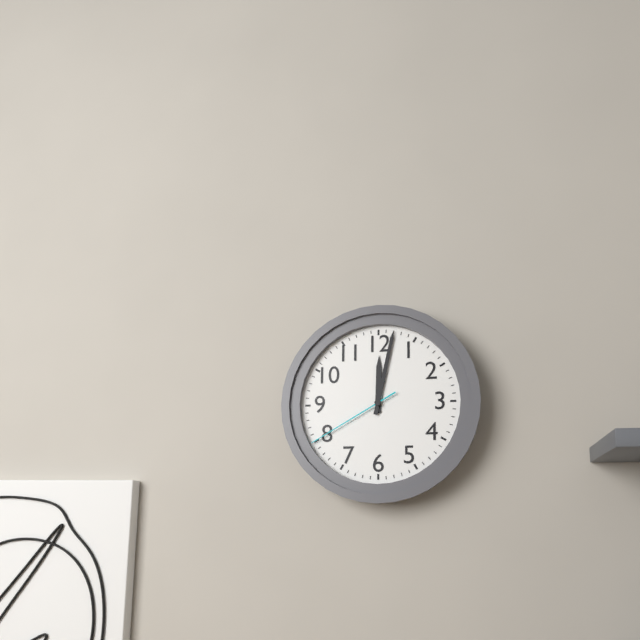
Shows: 12:02:40
